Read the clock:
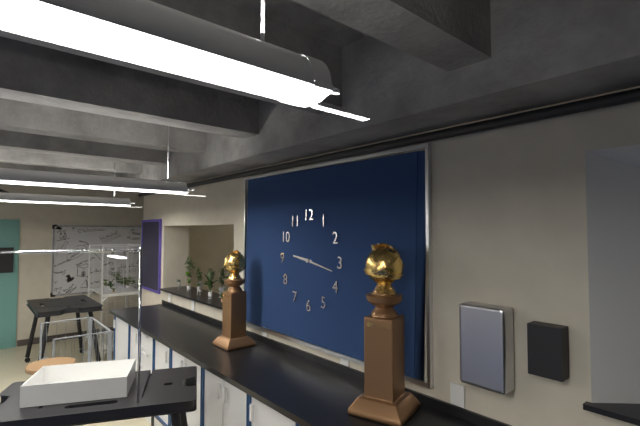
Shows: 9:17
